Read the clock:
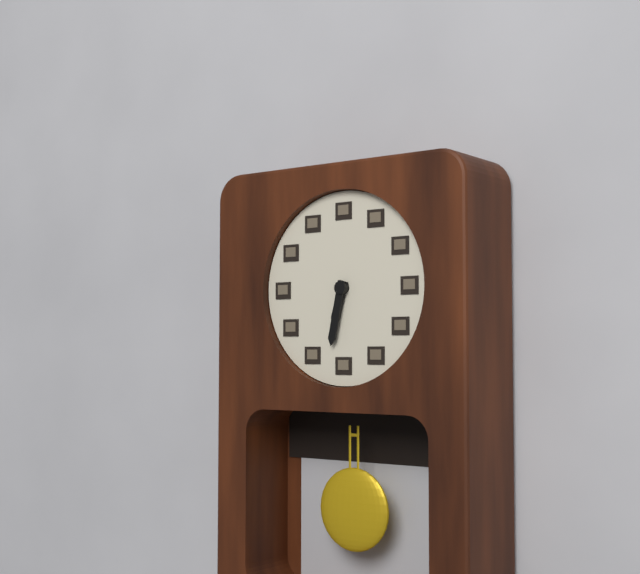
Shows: 6:32
